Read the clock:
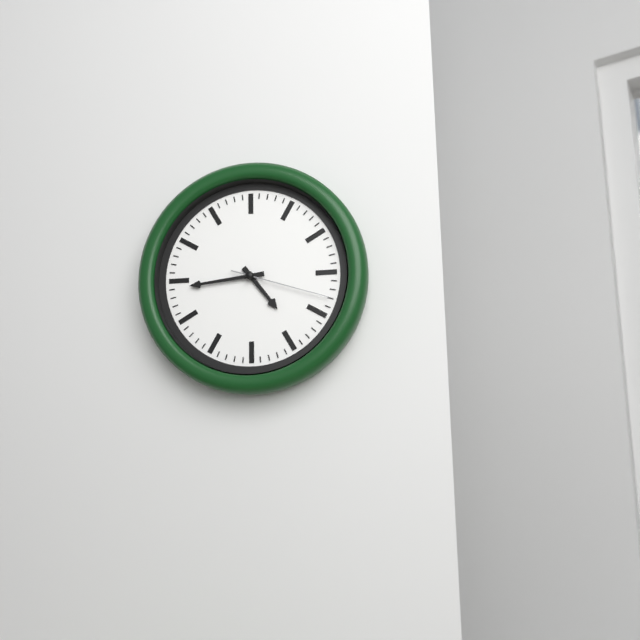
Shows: 4:44:18
